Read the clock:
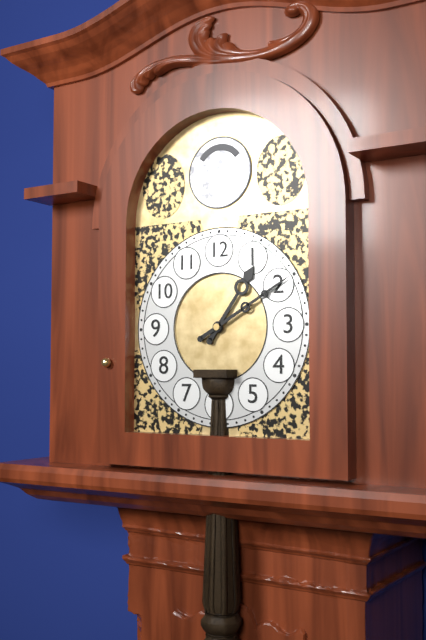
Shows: 1:10
